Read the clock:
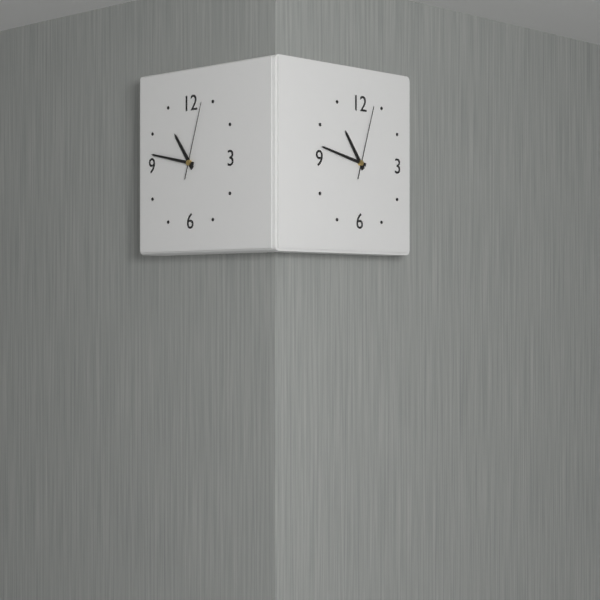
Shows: 10:47:03
